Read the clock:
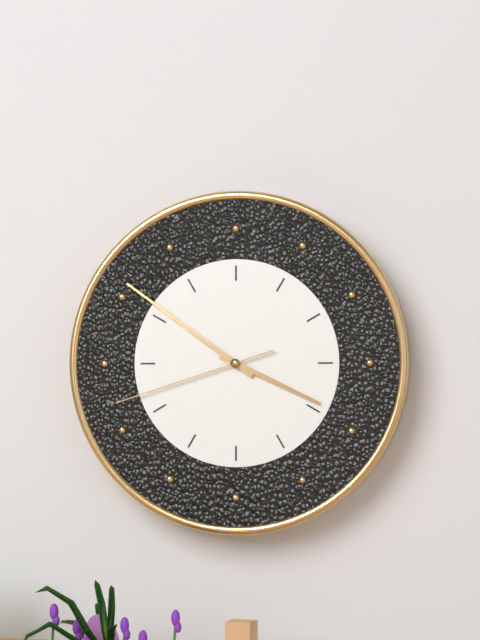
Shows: 3:51:42
